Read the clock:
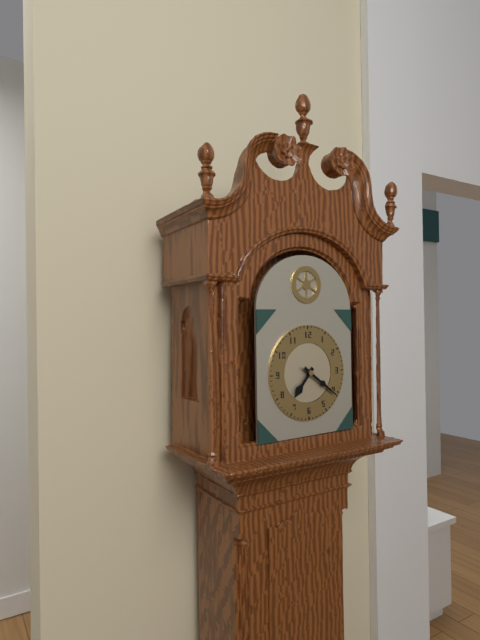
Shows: 7:21
